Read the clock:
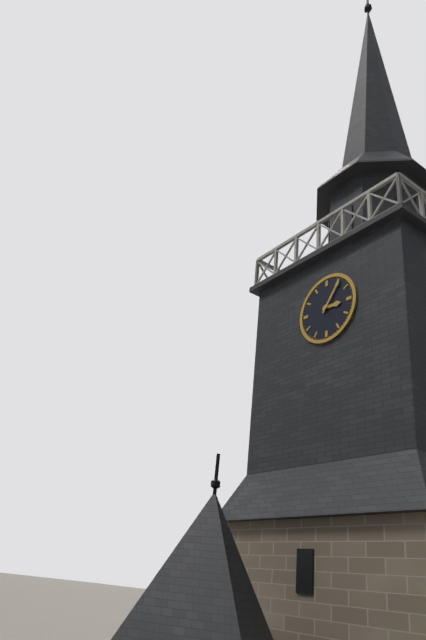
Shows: 3:06
